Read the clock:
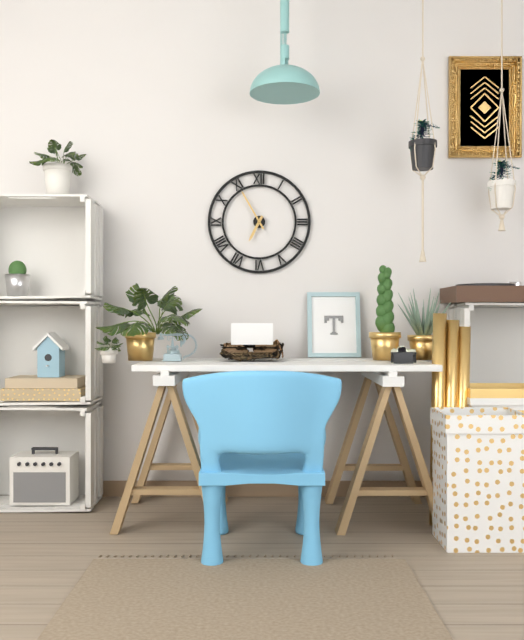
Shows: 6:55
